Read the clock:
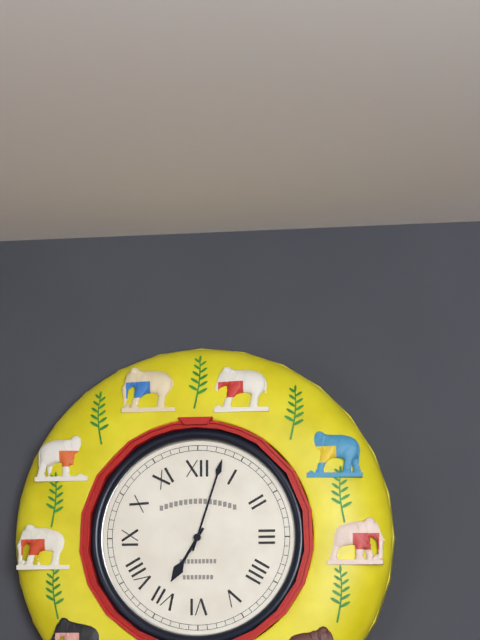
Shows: 7:03
